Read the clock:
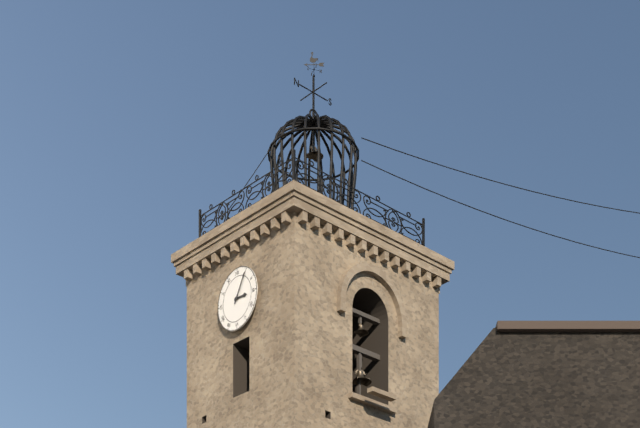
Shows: 3:05
